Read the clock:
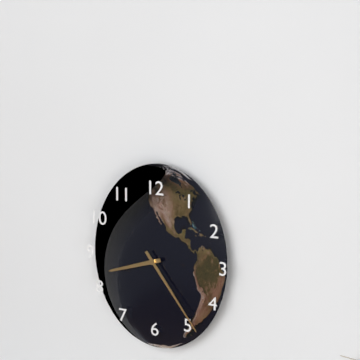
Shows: 8:24
